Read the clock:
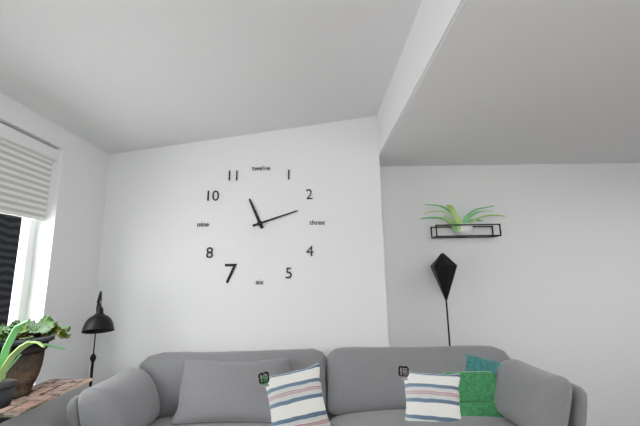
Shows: 11:12
